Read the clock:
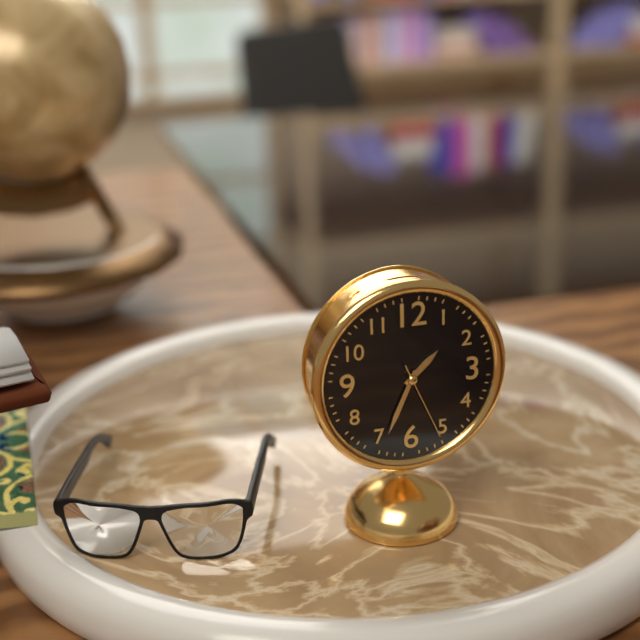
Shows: 1:34:26
